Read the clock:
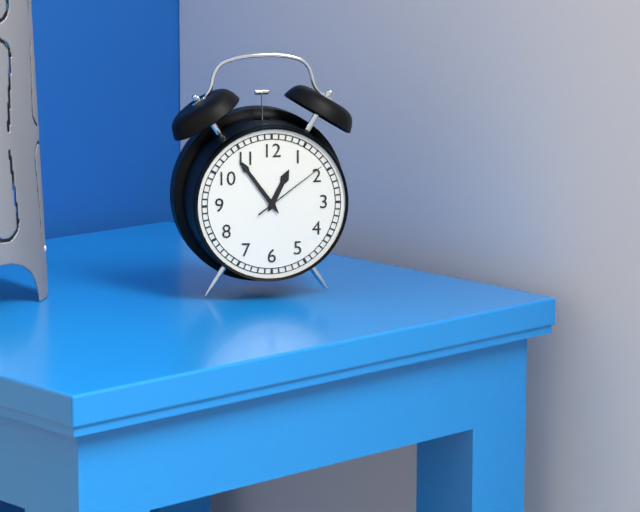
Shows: 12:54:09
